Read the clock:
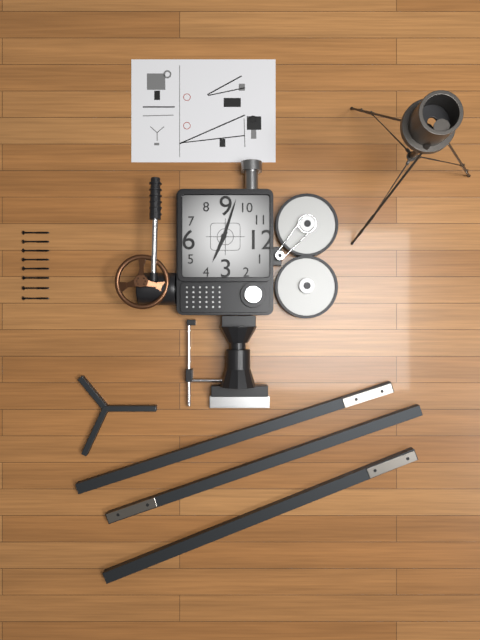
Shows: 3:48
